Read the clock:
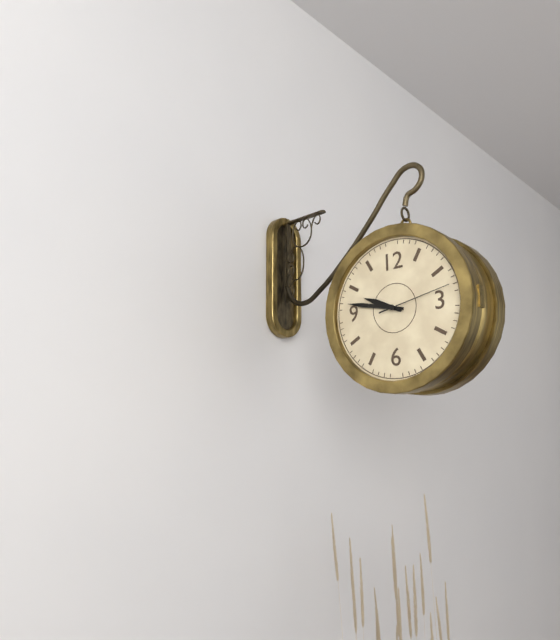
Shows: 9:47:13
